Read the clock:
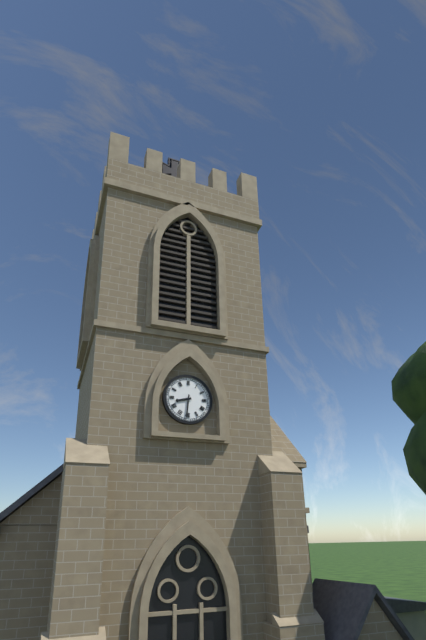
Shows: 8:31
